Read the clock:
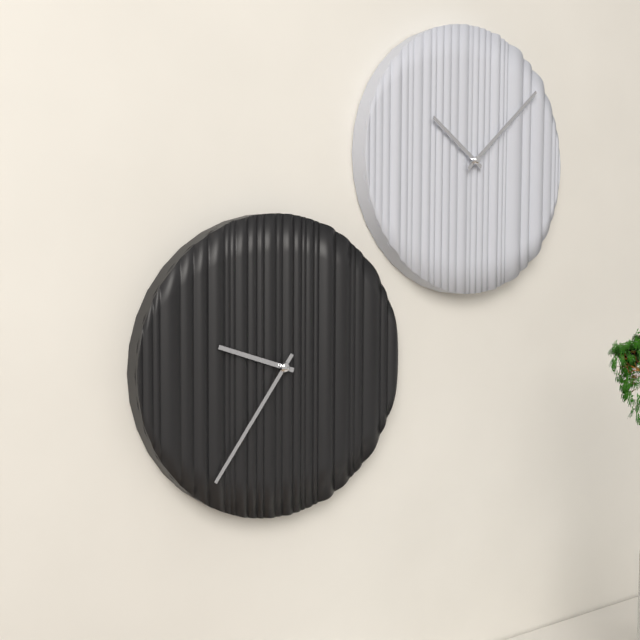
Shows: 9:36
